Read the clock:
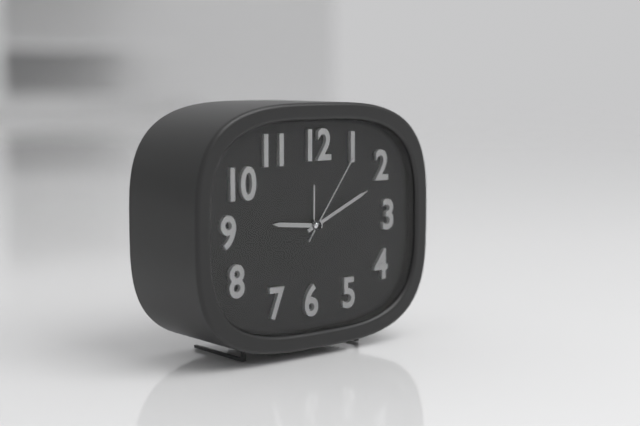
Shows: 9:11:06
